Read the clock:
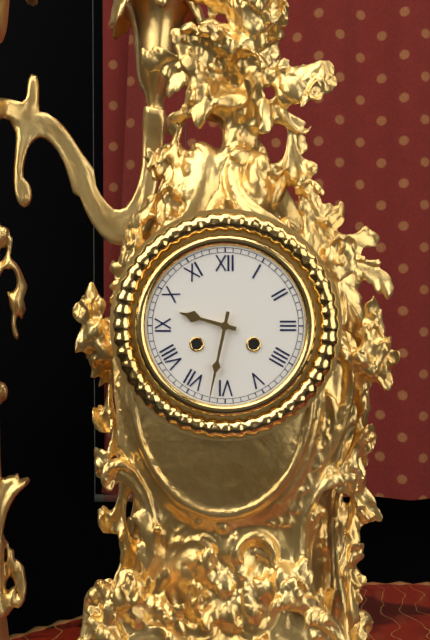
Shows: 9:32
